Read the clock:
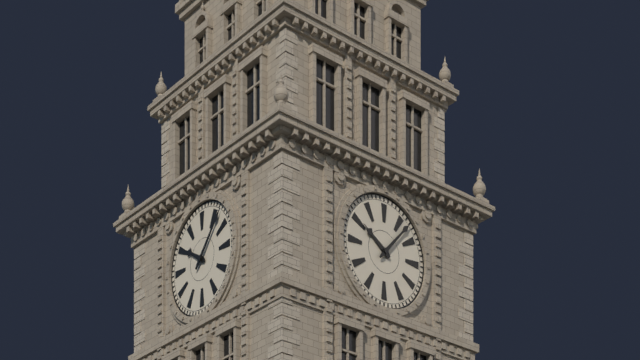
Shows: 10:07
